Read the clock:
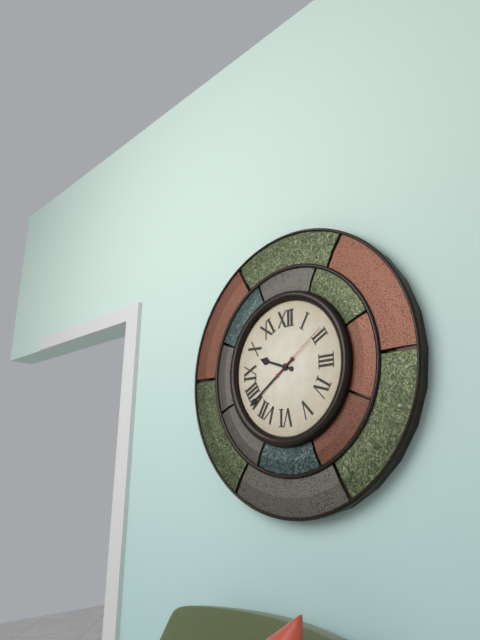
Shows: 9:39:09
